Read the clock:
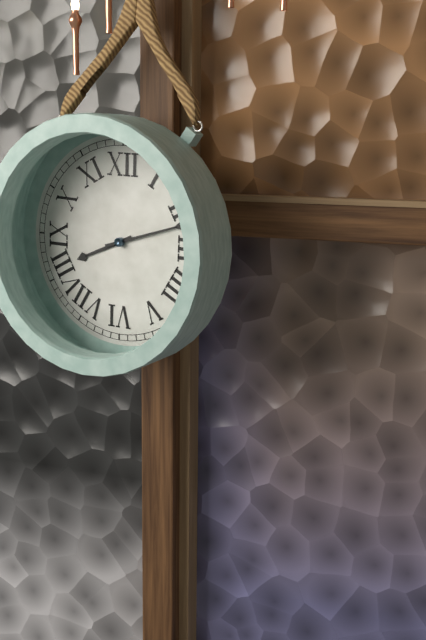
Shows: 8:12
